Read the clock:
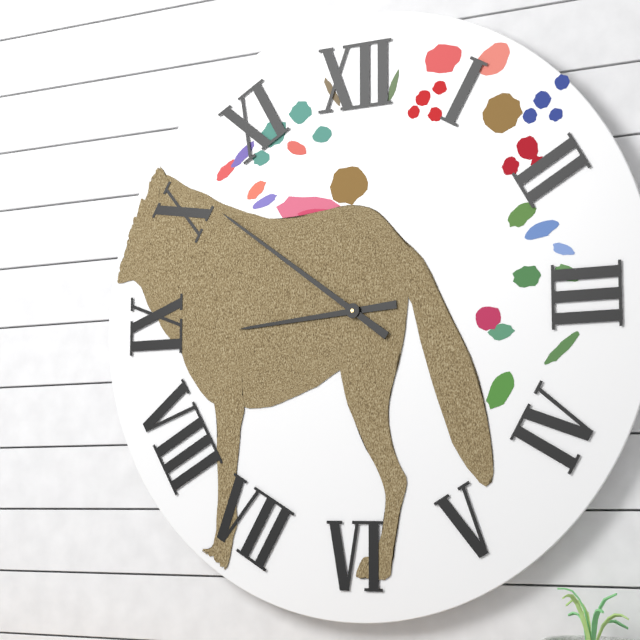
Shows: 8:51
